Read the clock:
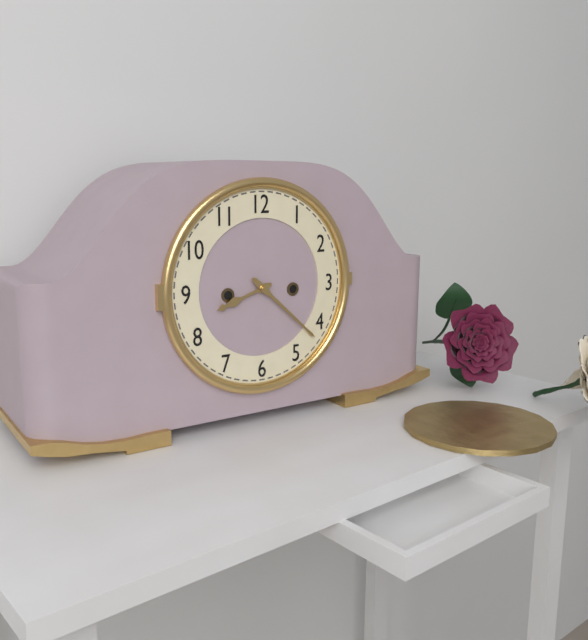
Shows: 8:22
